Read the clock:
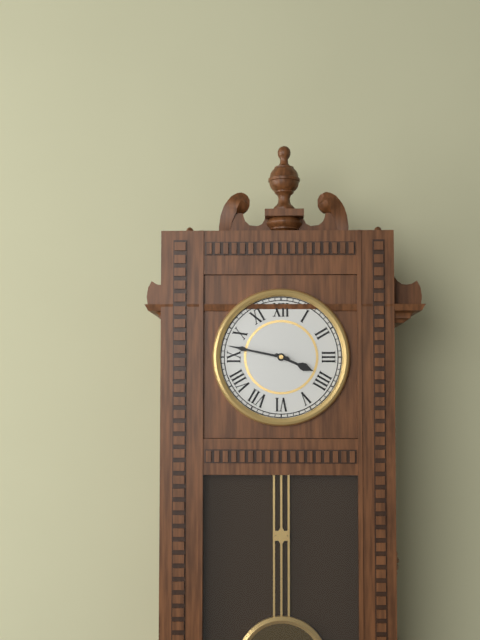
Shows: 3:47
